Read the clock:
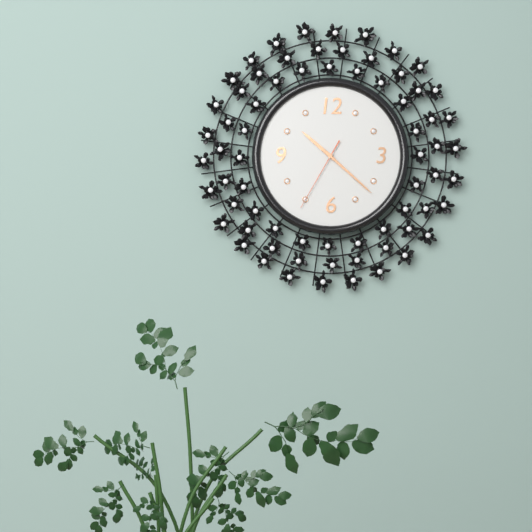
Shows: 10:22:35
